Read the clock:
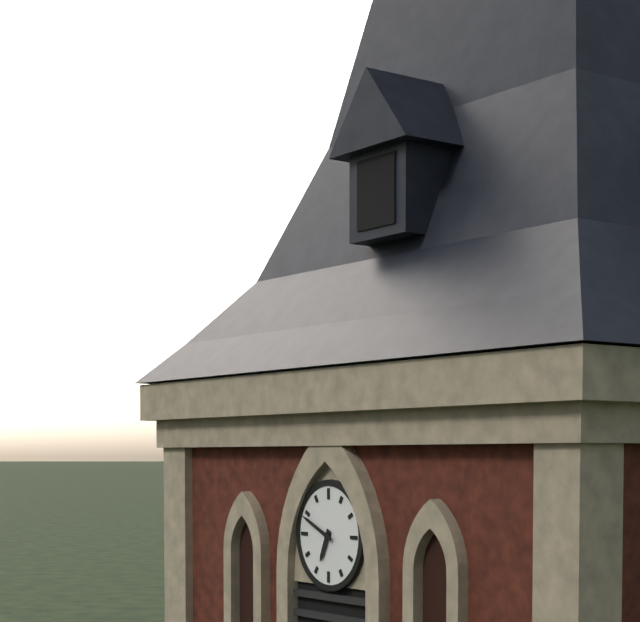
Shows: 6:49
